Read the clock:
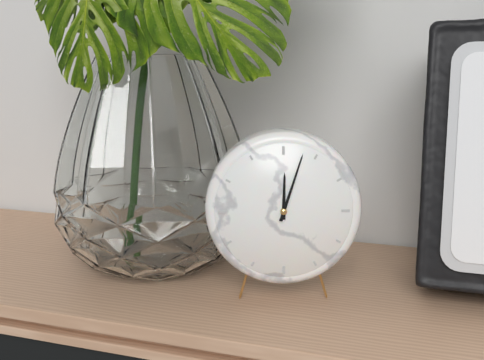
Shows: 12:03
